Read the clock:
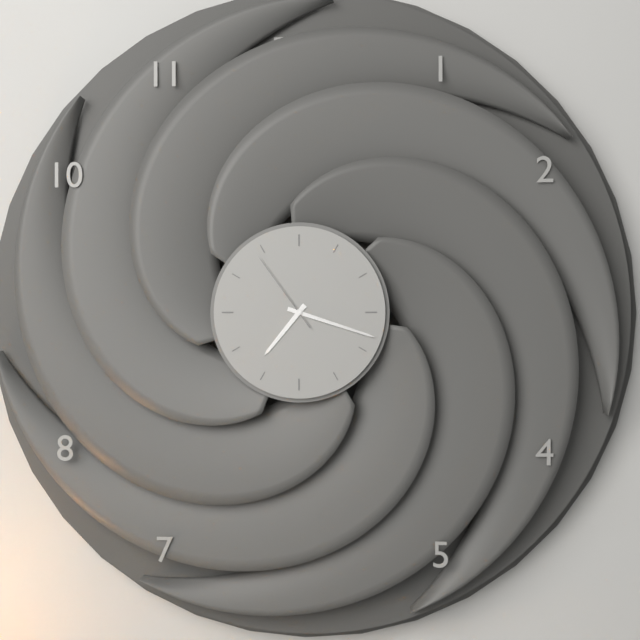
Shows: 7:18:54
